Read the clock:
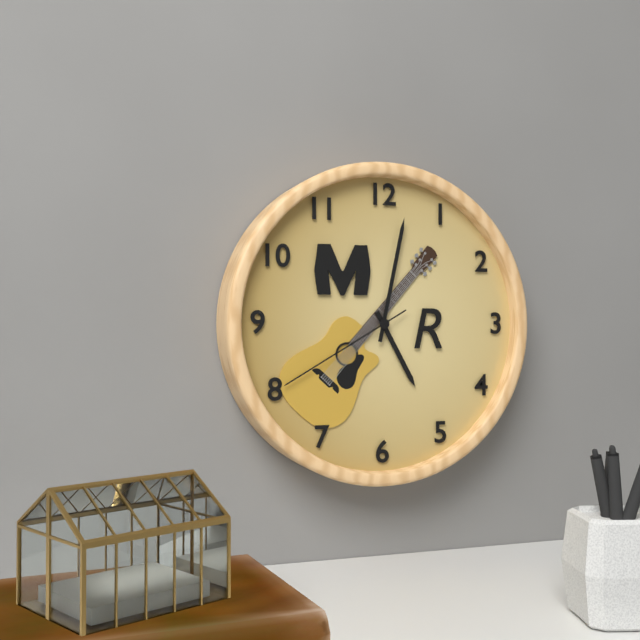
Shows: 5:02:40
